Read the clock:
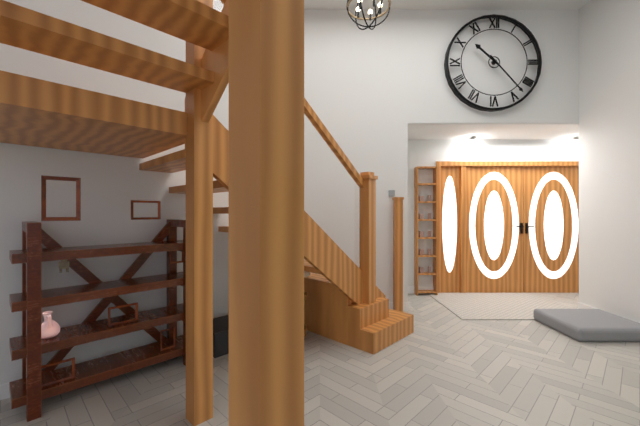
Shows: 10:23
